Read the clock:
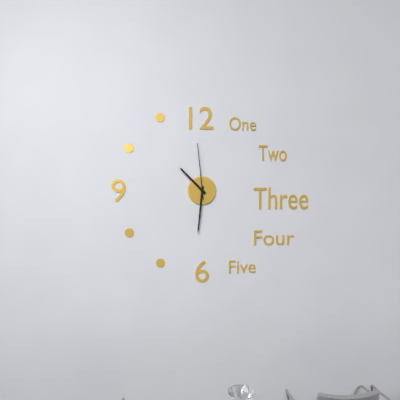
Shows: 10:31:59
